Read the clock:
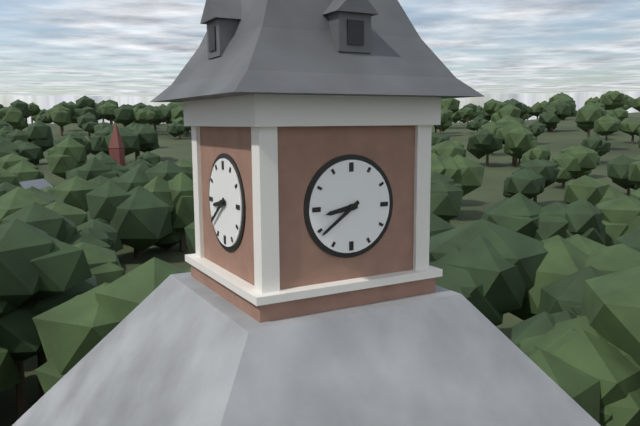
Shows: 8:39
